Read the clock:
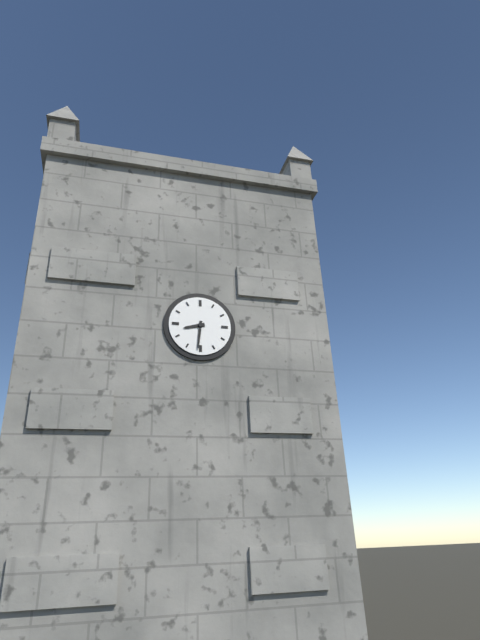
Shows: 8:31
